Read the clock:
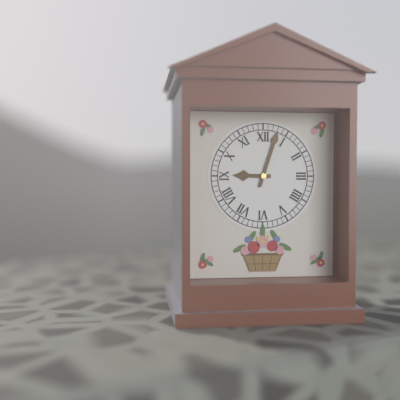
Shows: 9:03
